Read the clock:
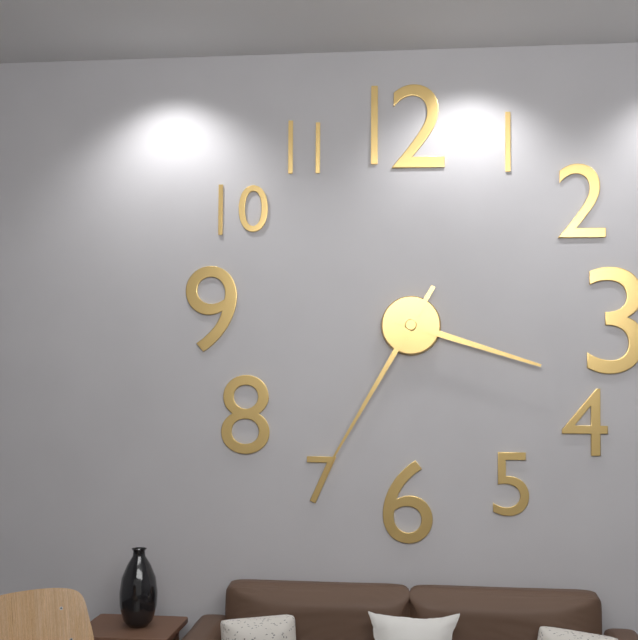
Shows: 3:35
